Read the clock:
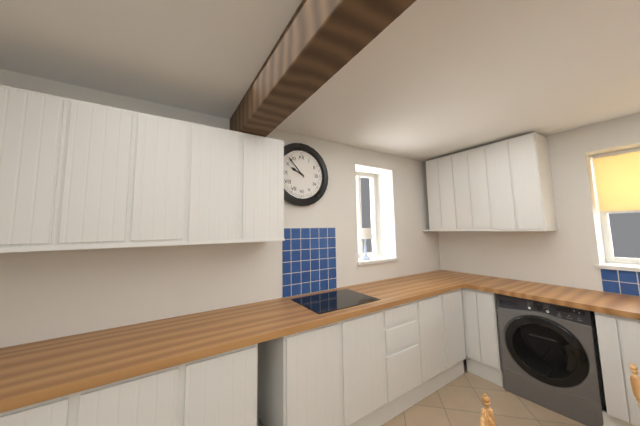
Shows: 9:53
